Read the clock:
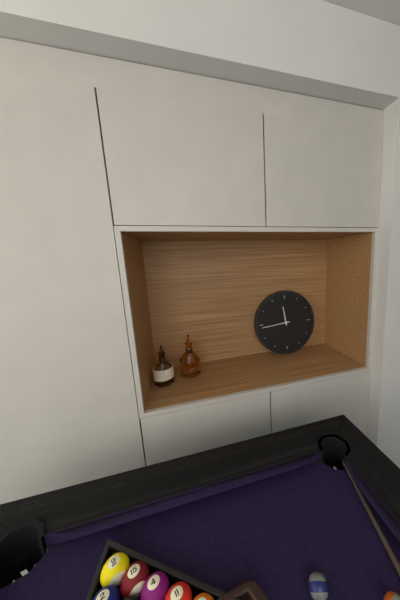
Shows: 11:44
